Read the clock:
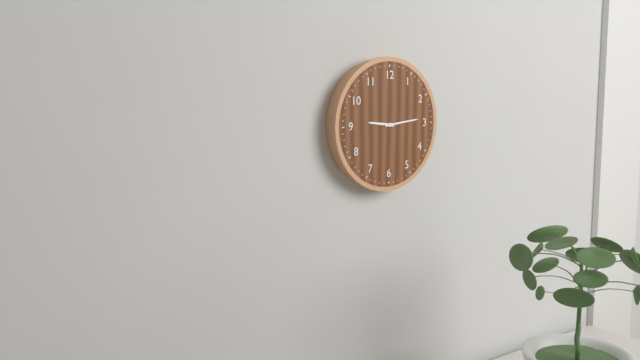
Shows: 9:14
